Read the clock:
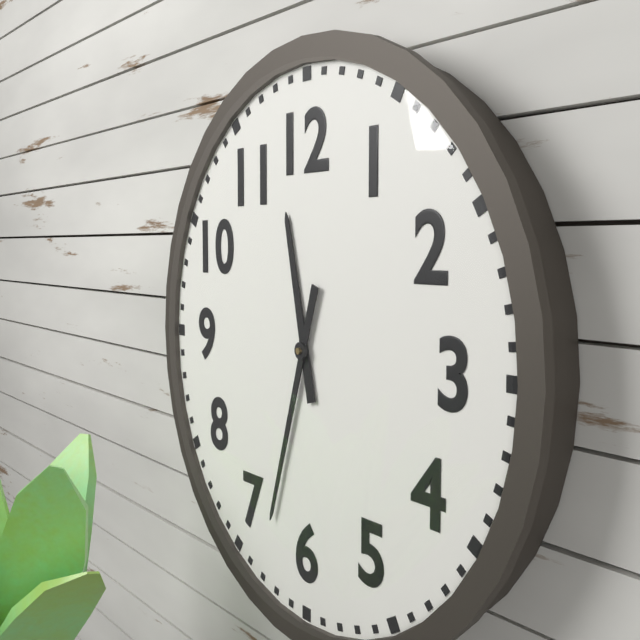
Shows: 11:33
